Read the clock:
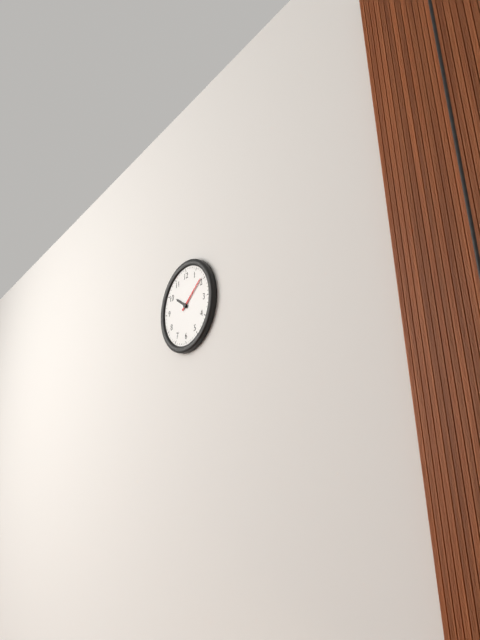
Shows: 10:09
